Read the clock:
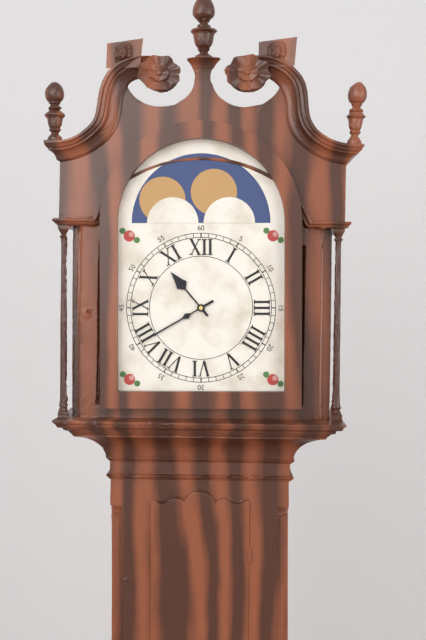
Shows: 10:40
